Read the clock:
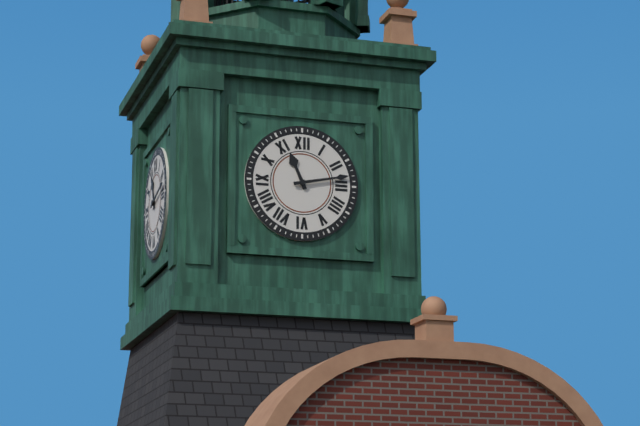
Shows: 11:13
